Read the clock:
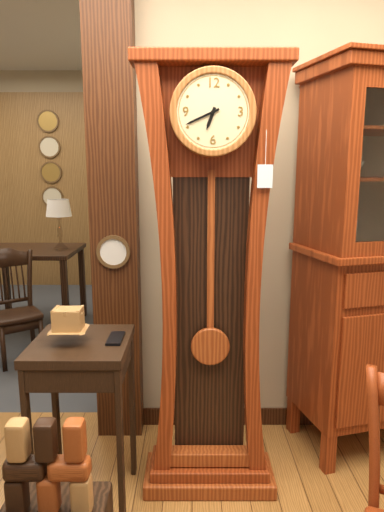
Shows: 6:41
